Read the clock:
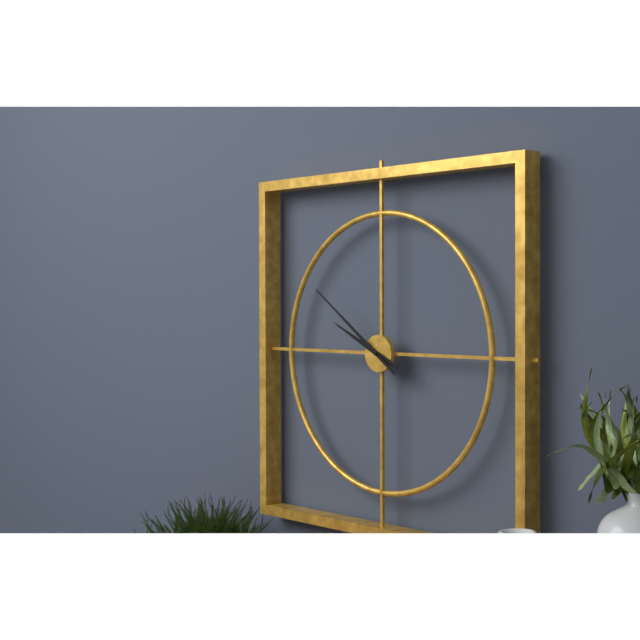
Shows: 9:51
